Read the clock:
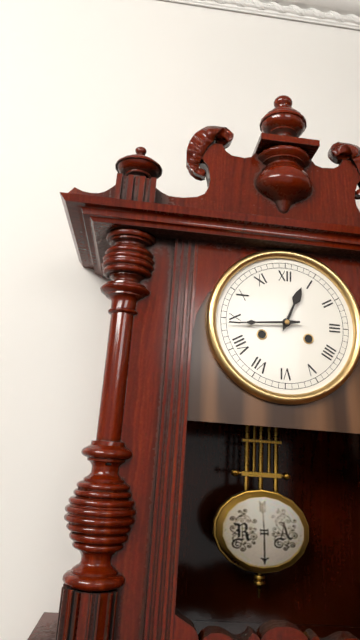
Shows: 12:44
